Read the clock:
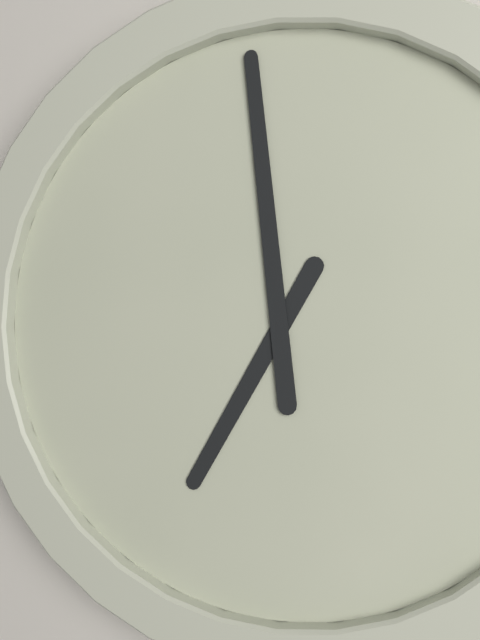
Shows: 6:59
